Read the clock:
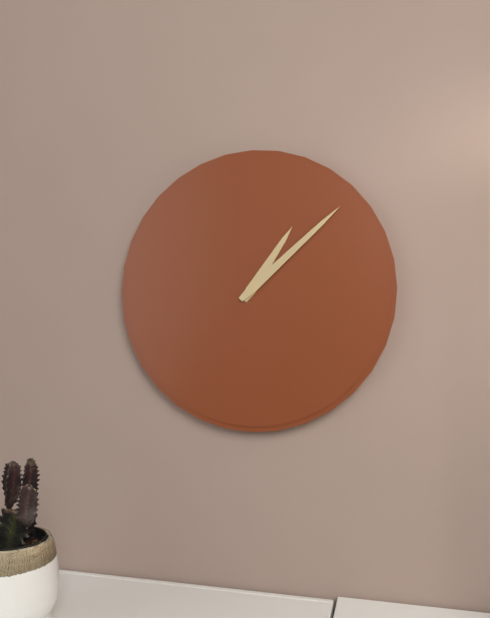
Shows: 1:08
